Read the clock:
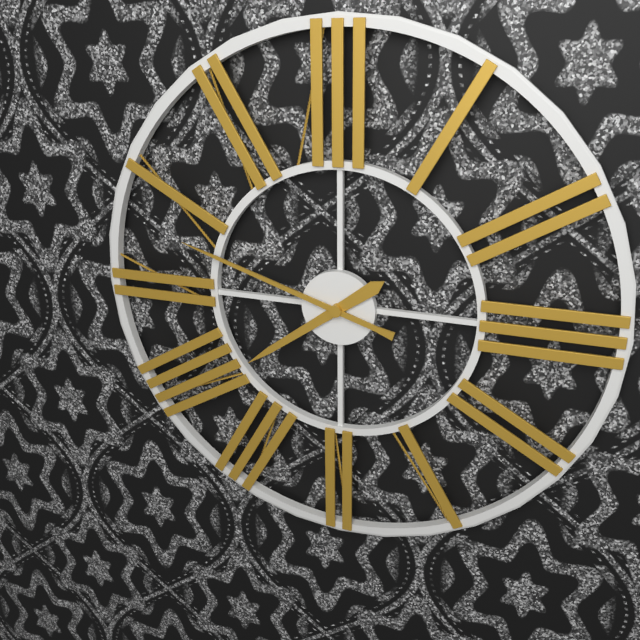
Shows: 7:48
